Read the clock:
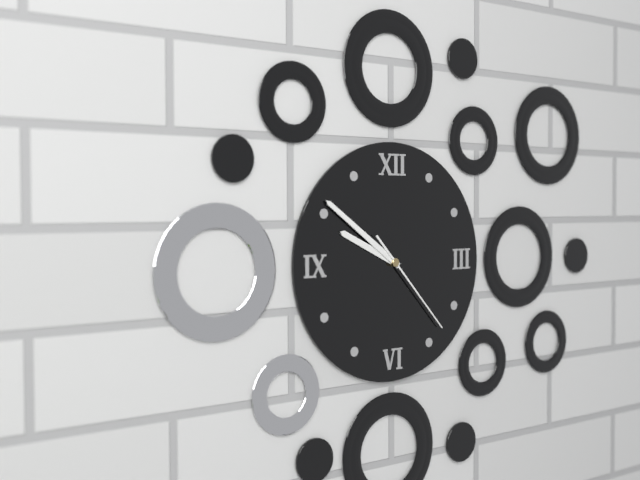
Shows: 9:51:23
